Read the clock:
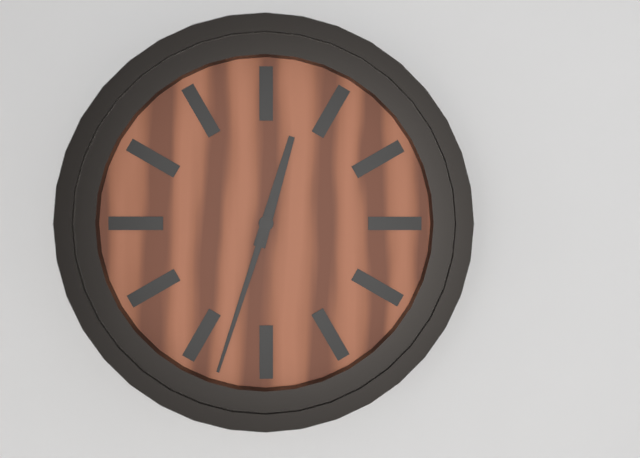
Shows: 12:33
